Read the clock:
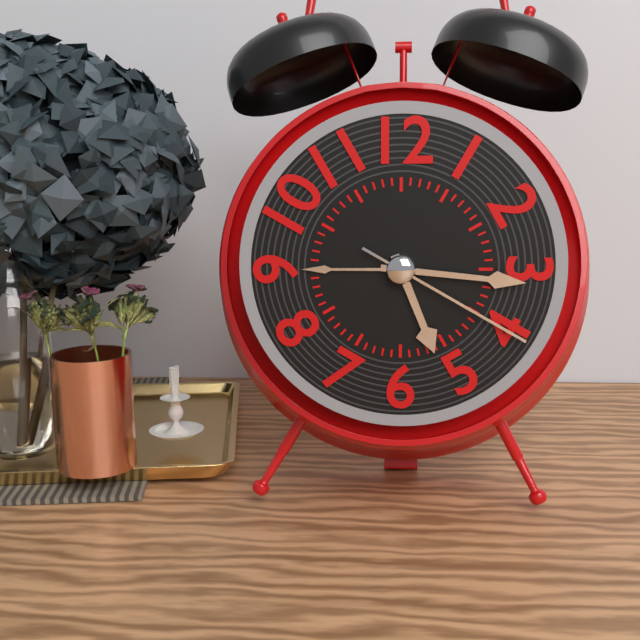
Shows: 5:16:20
